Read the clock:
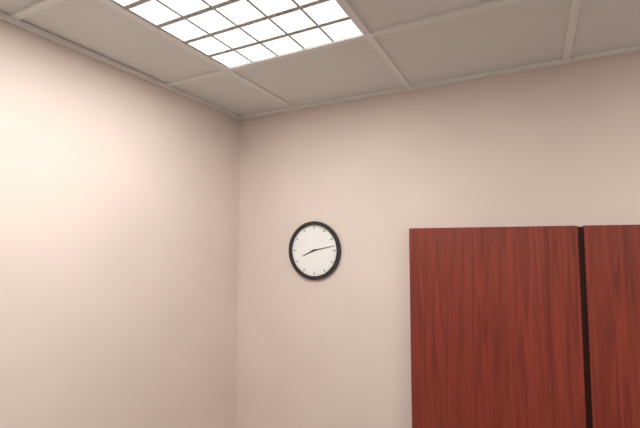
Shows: 8:13
